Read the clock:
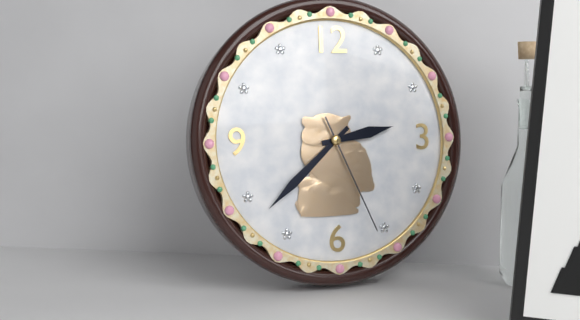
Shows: 2:38:26
